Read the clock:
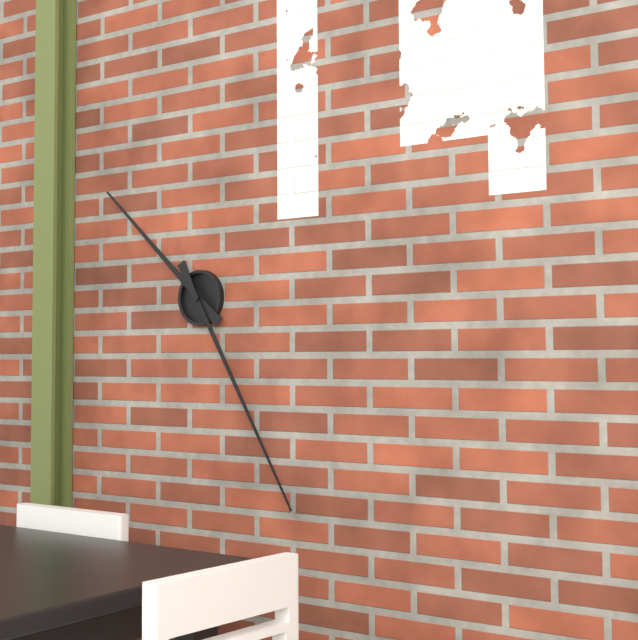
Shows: 10:25
